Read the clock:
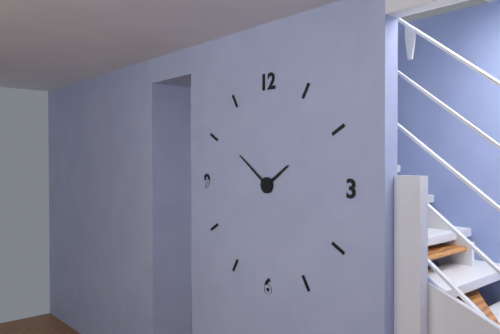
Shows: 1:51
